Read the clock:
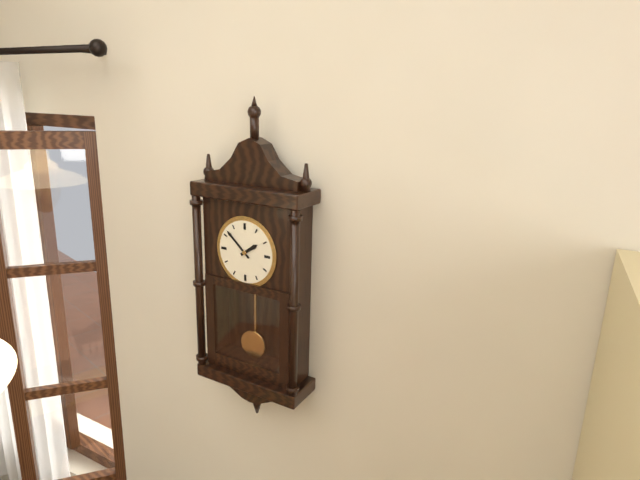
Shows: 1:52
